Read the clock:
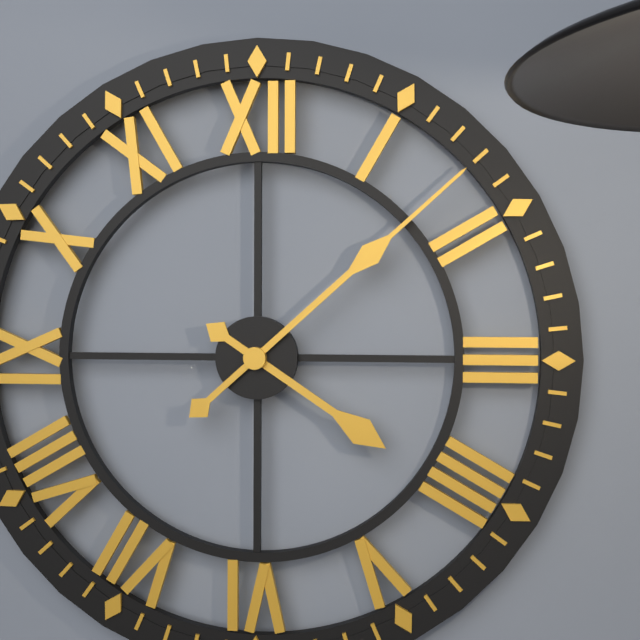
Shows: 4:08
